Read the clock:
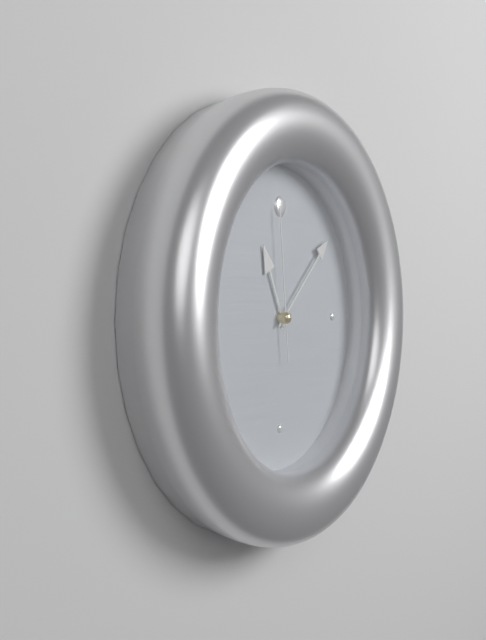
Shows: 11:08:59
